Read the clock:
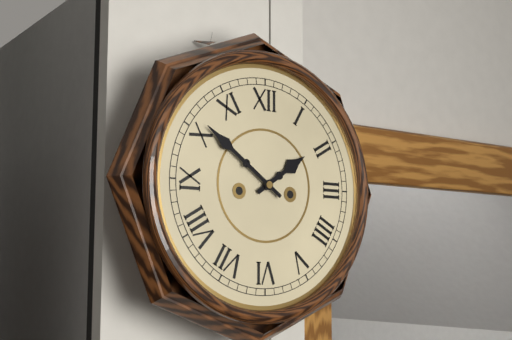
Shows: 1:51
